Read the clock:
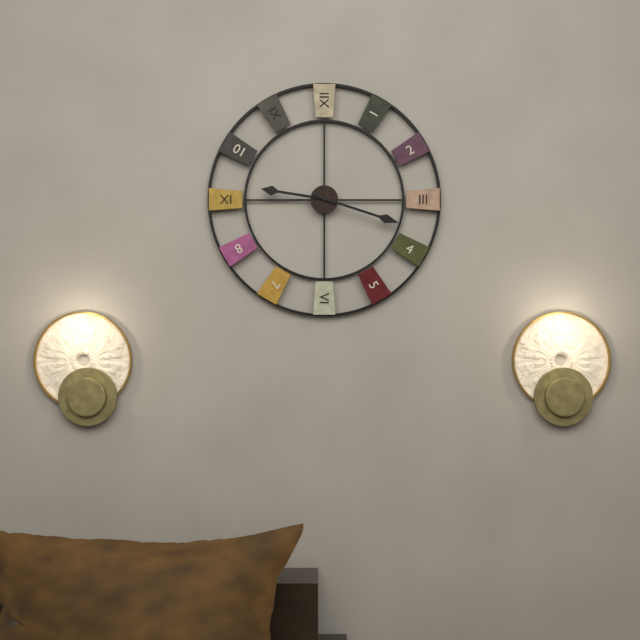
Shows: 9:18
